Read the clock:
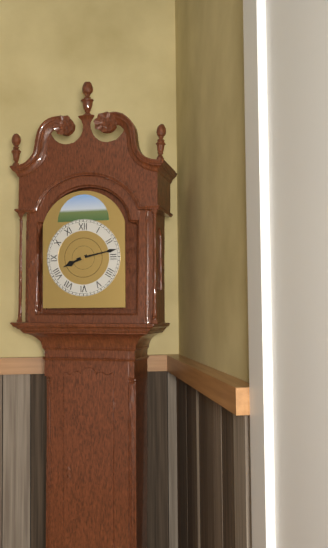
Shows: 8:13
